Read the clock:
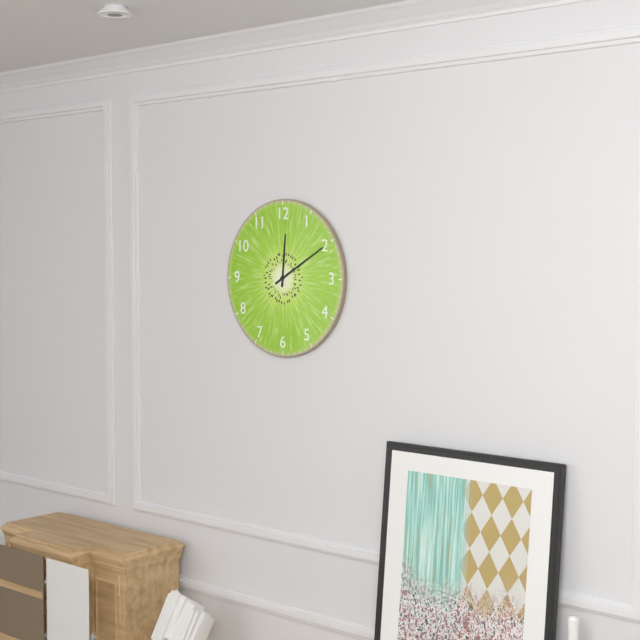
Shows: 12:10
